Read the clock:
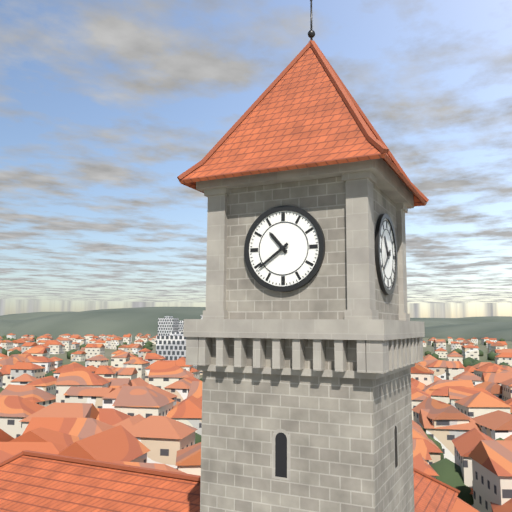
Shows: 10:39
